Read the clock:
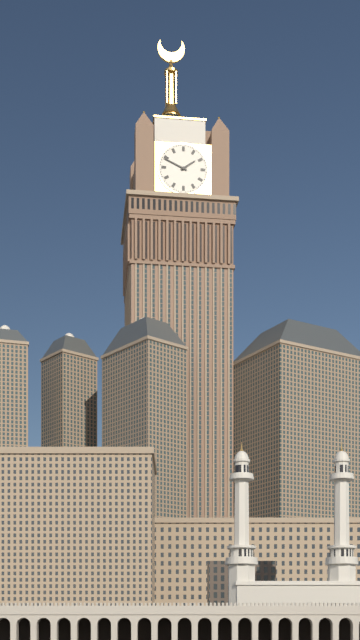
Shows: 1:49
